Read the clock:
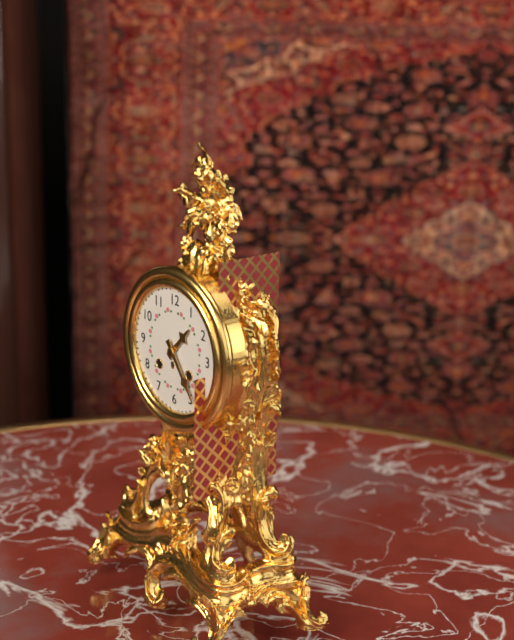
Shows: 1:24
